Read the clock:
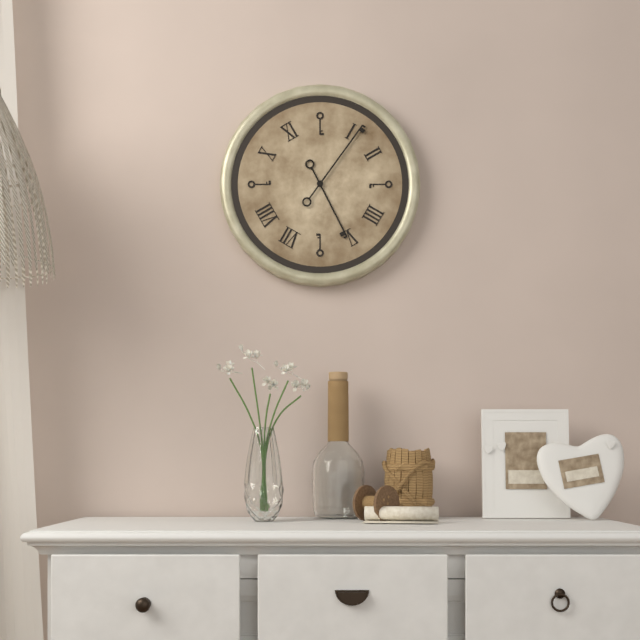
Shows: 5:06
